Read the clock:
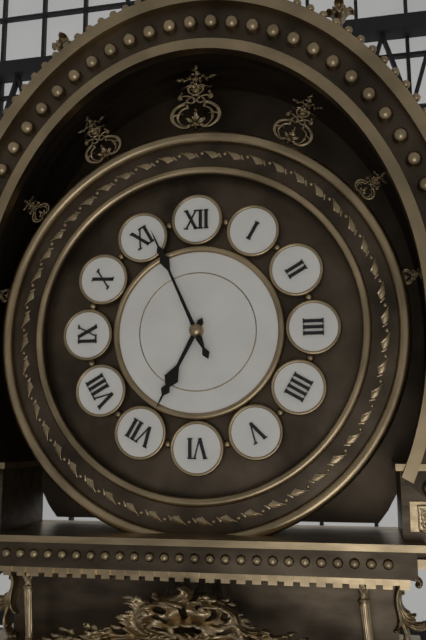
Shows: 6:56
